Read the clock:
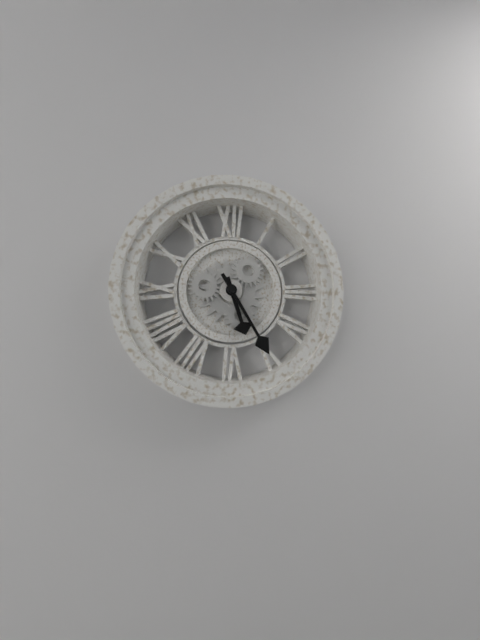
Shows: 5:25
